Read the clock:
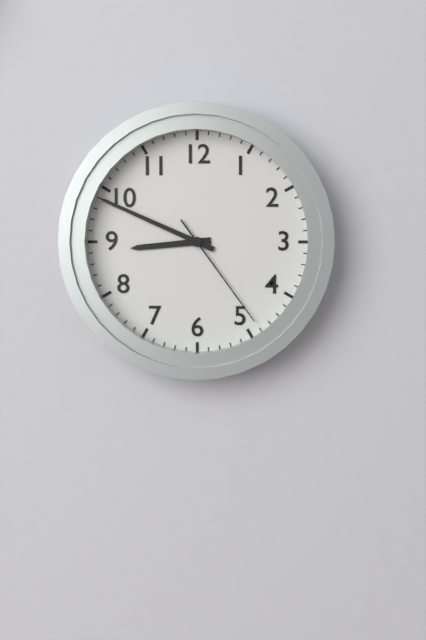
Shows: 8:49:24
